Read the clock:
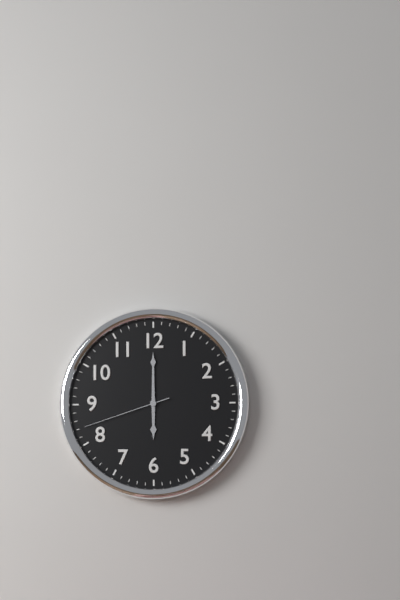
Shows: 6:00:42
